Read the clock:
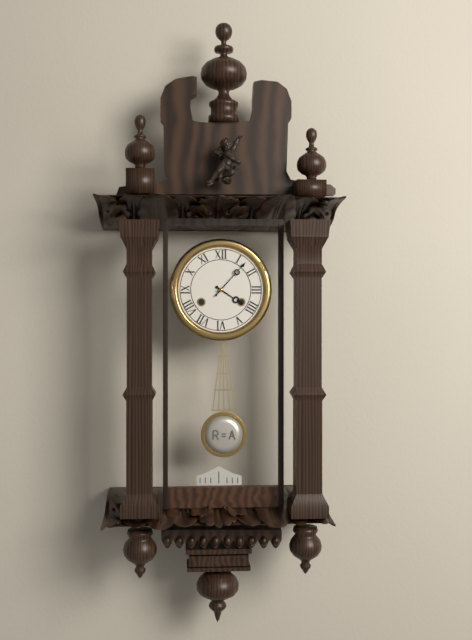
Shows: 4:07
